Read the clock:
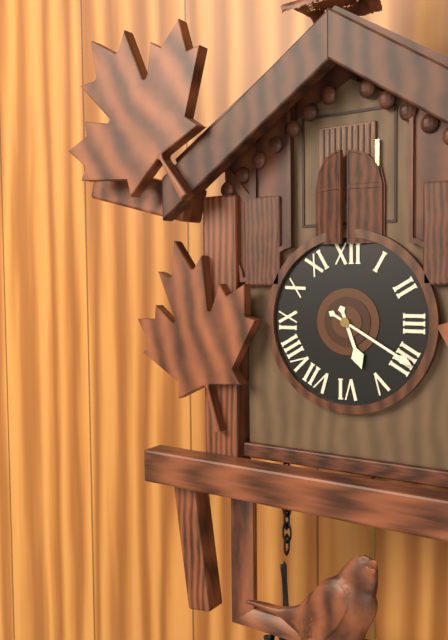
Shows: 5:20
